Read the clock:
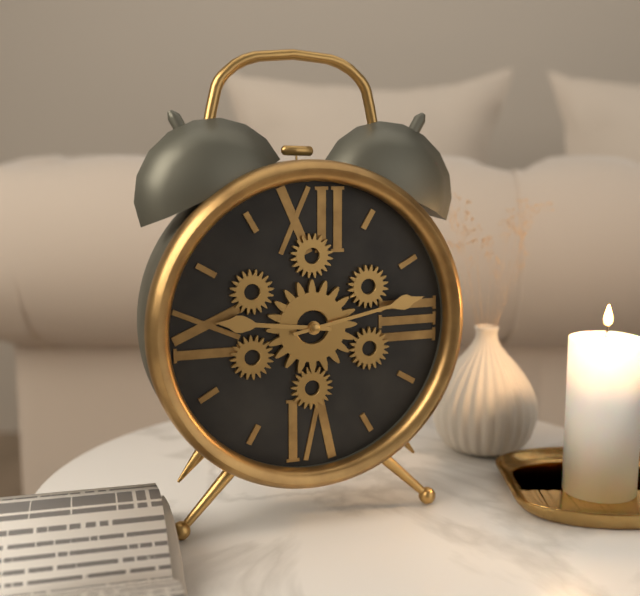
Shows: 9:13
